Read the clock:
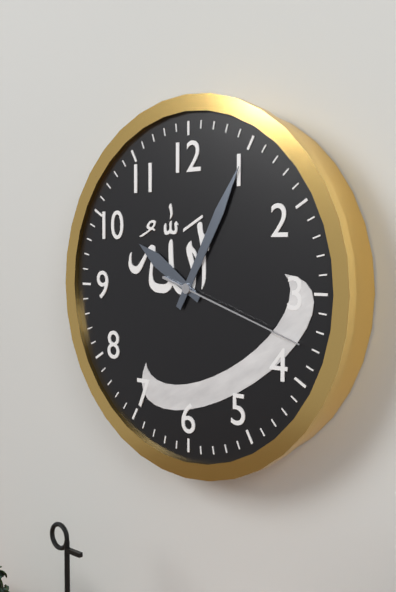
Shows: 10:05:18
